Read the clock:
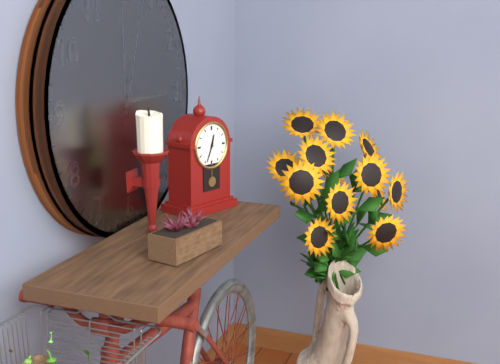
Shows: 12:34
